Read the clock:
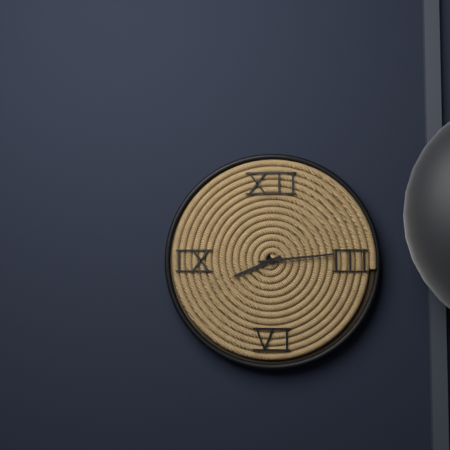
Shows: 8:14
